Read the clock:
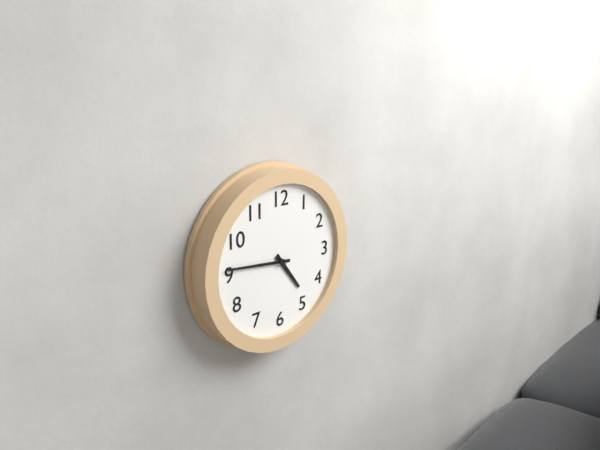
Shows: 4:46
